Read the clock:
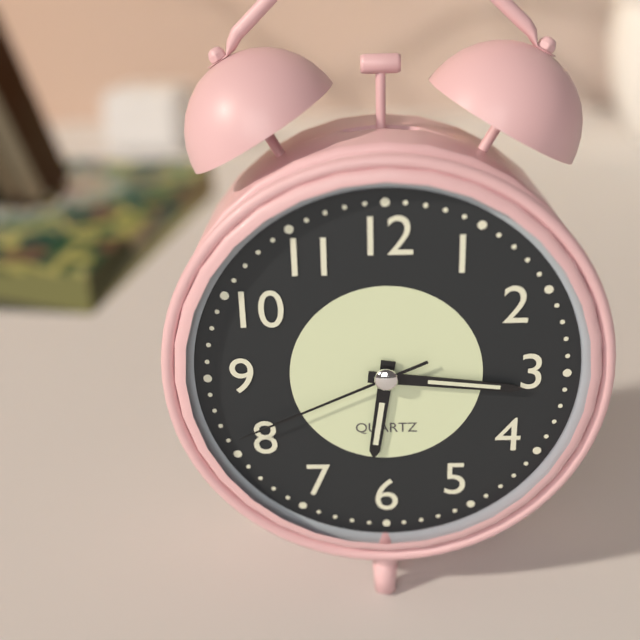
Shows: 6:16:41
